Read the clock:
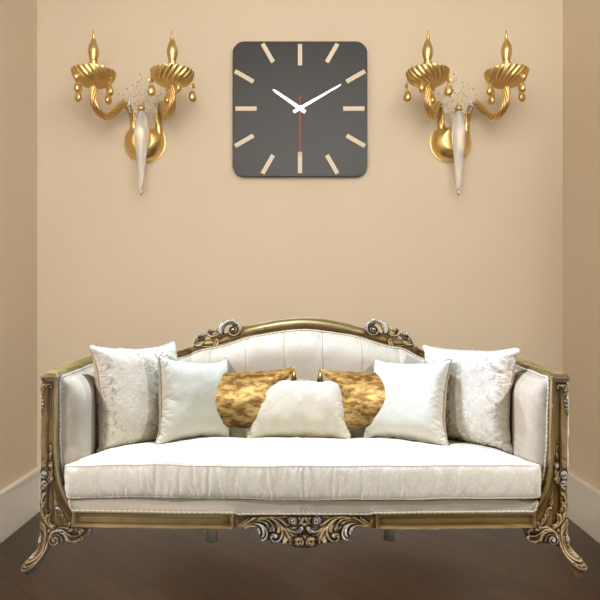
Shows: 10:10:30
